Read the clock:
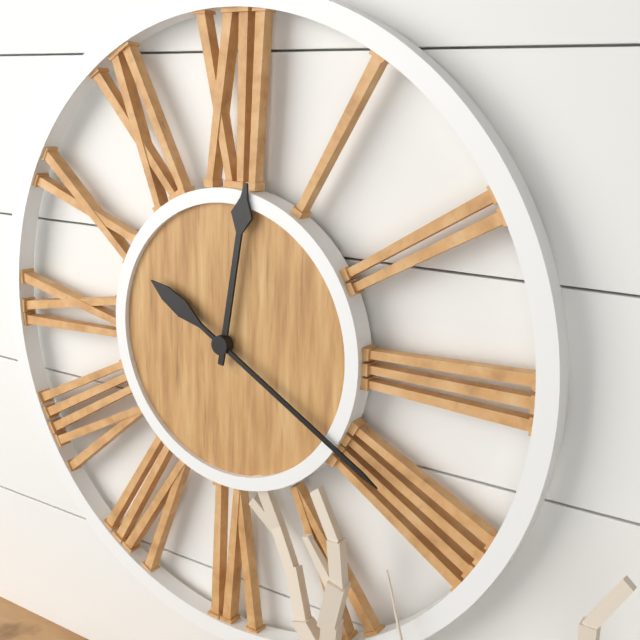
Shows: 12:20
